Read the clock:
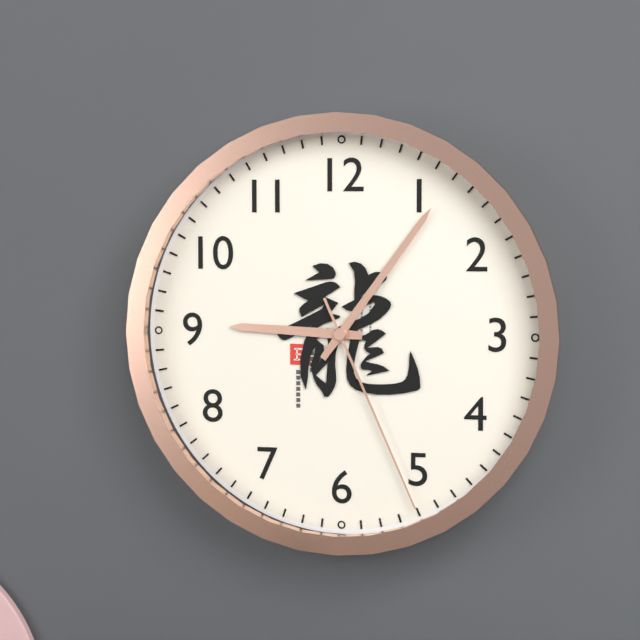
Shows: 9:06:26
